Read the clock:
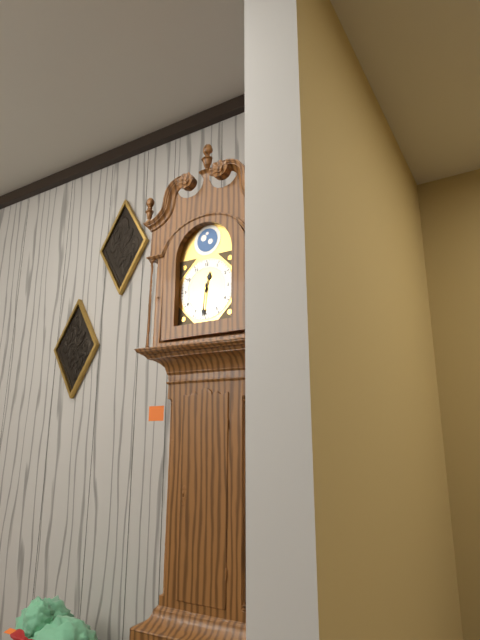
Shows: 12:31
